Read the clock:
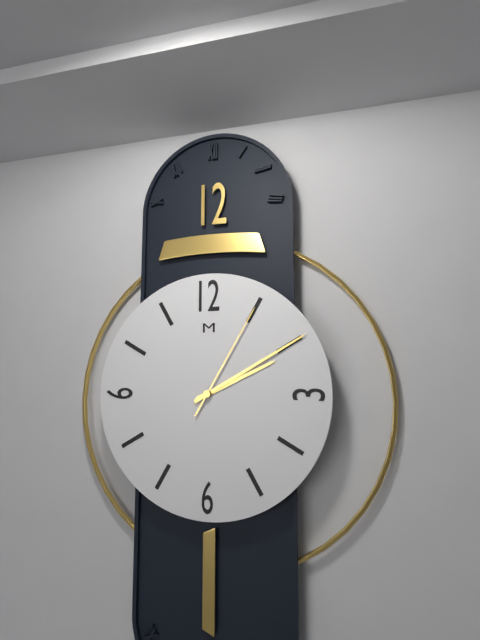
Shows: 2:10:05
